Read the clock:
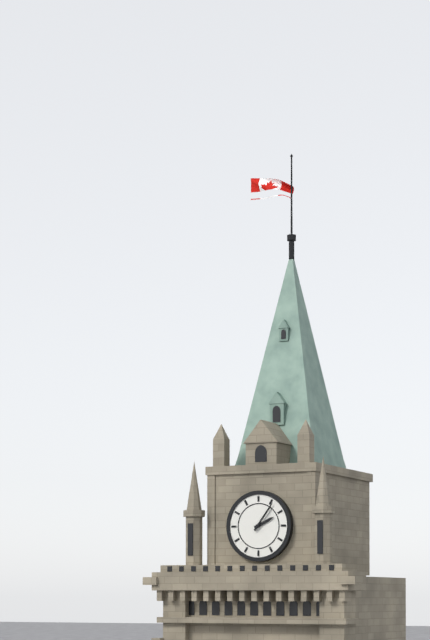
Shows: 2:06
